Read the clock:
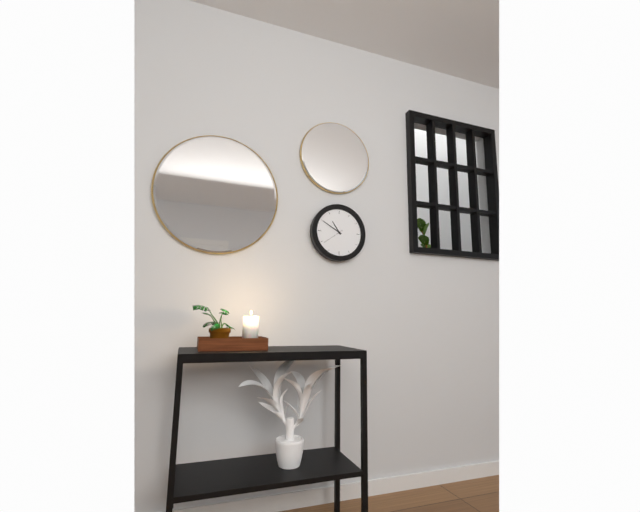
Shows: 10:50
